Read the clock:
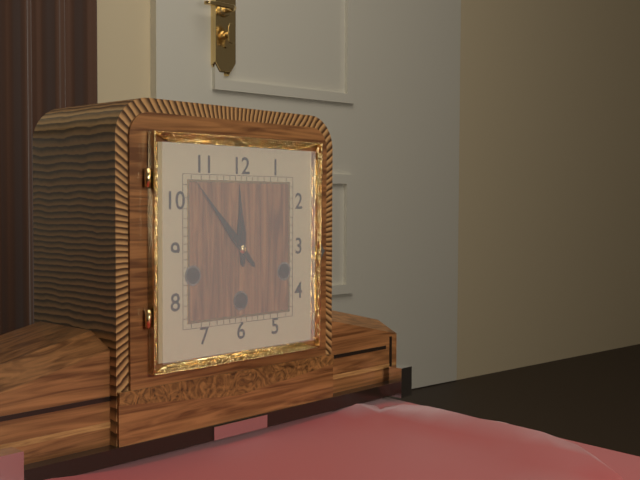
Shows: 11:53
